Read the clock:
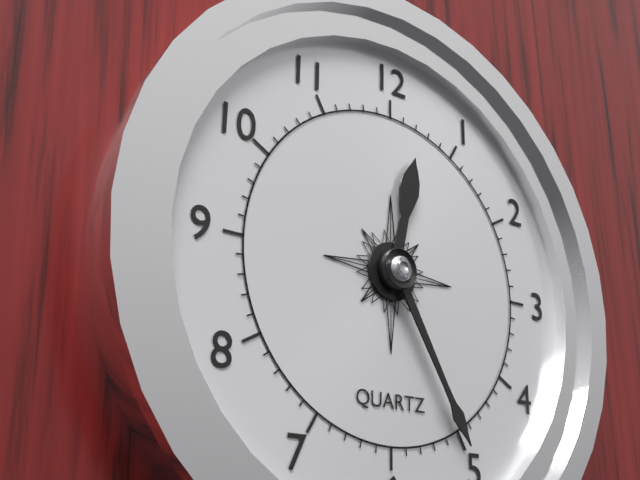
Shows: 12:25
